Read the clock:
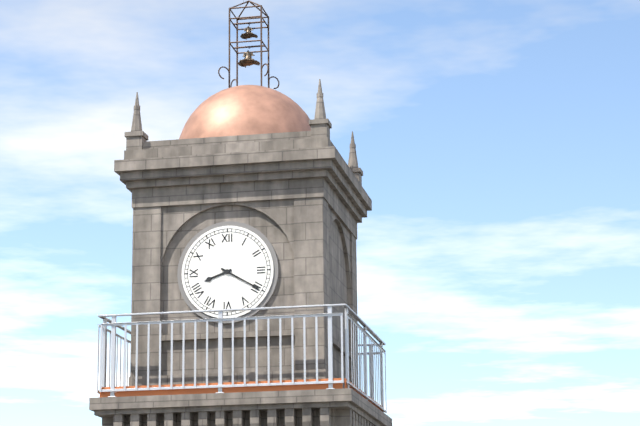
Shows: 8:20
